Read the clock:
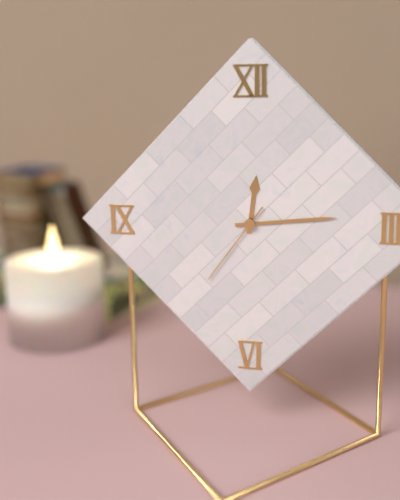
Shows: 12:14:36
